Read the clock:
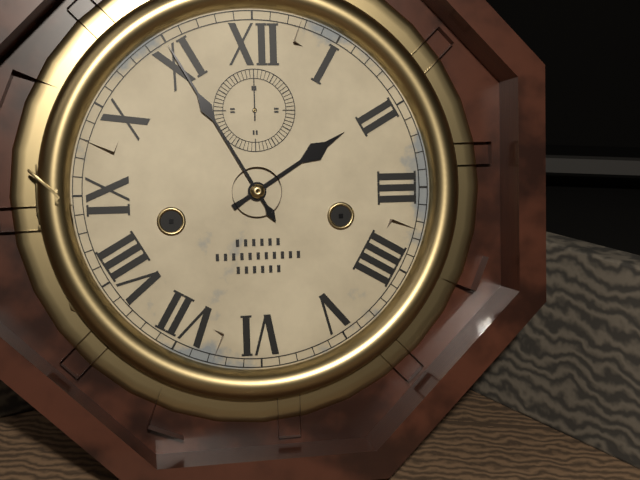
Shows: 1:55
